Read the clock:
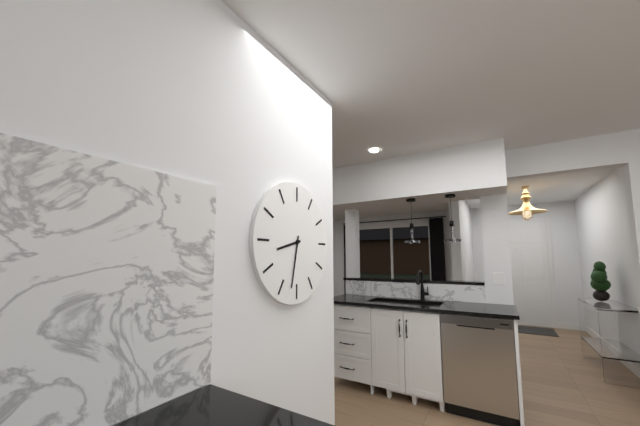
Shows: 8:32
